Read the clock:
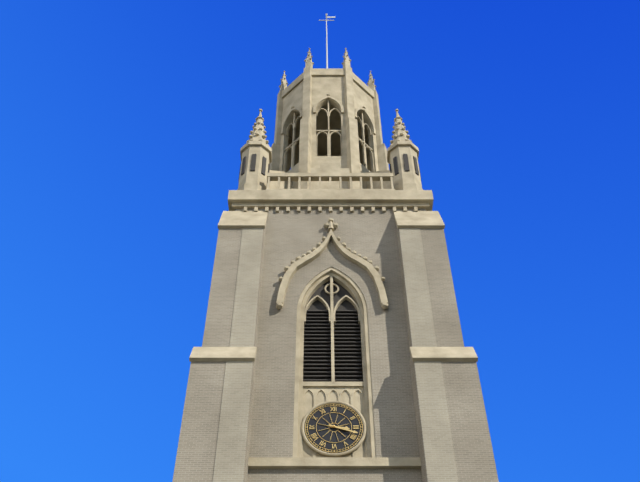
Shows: 3:18
